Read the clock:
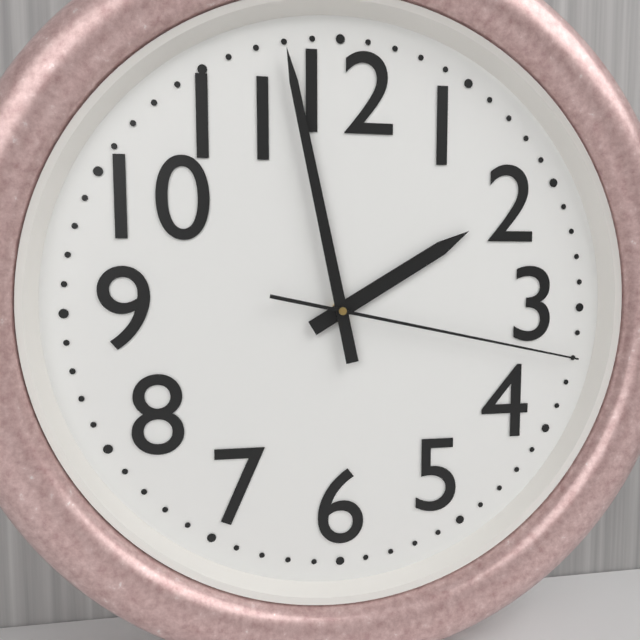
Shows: 1:58:17
